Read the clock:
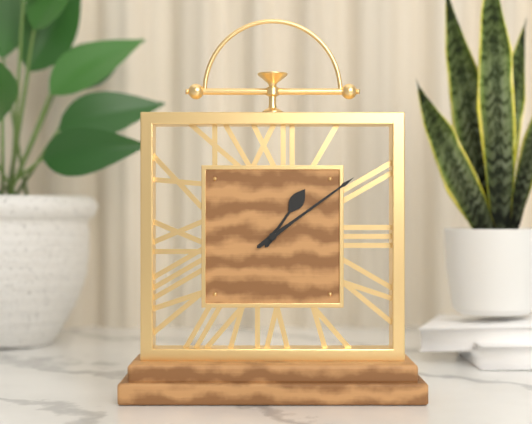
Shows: 1:09
